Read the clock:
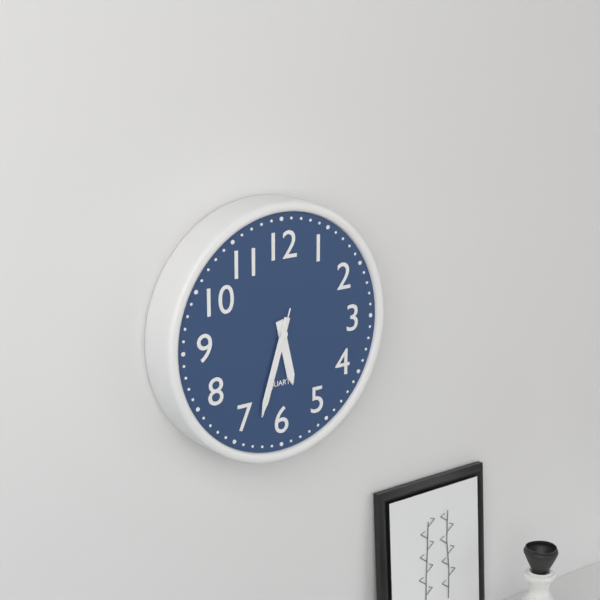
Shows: 5:33:33
